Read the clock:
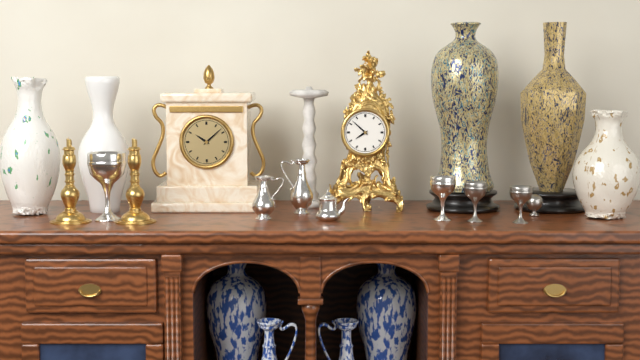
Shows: 7:52
